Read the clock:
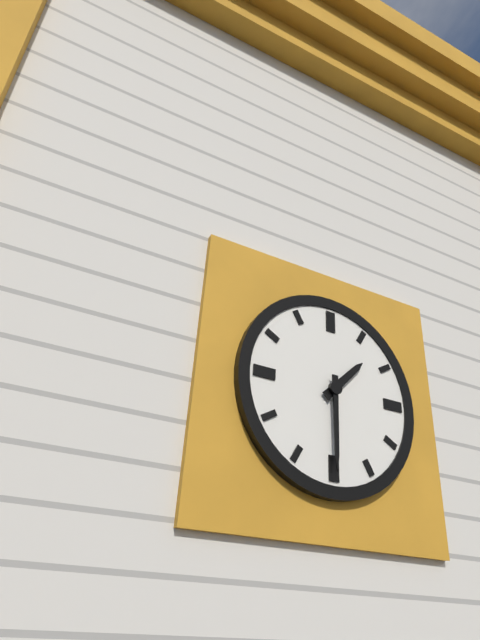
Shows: 1:30
